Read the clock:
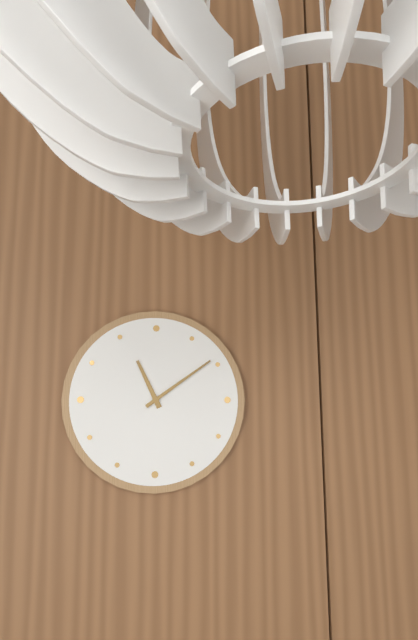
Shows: 11:09
